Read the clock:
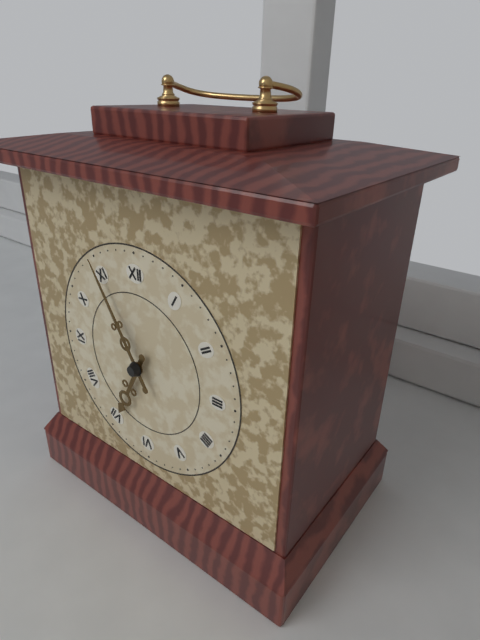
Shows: 6:55
